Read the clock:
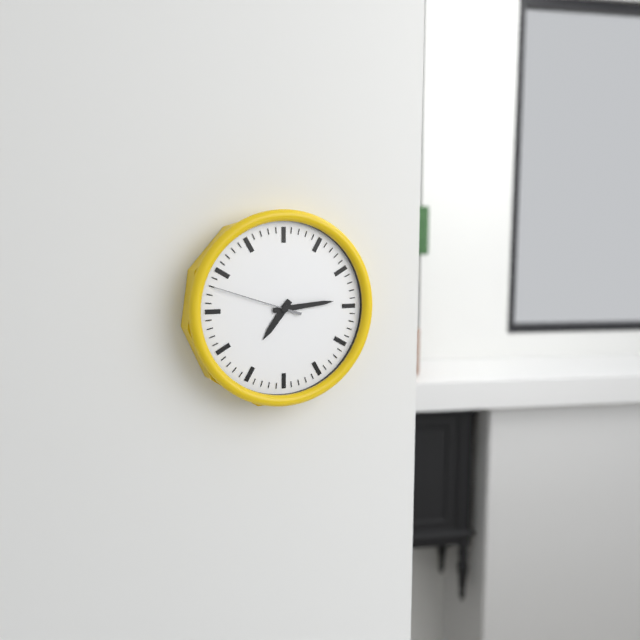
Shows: 7:14:48
